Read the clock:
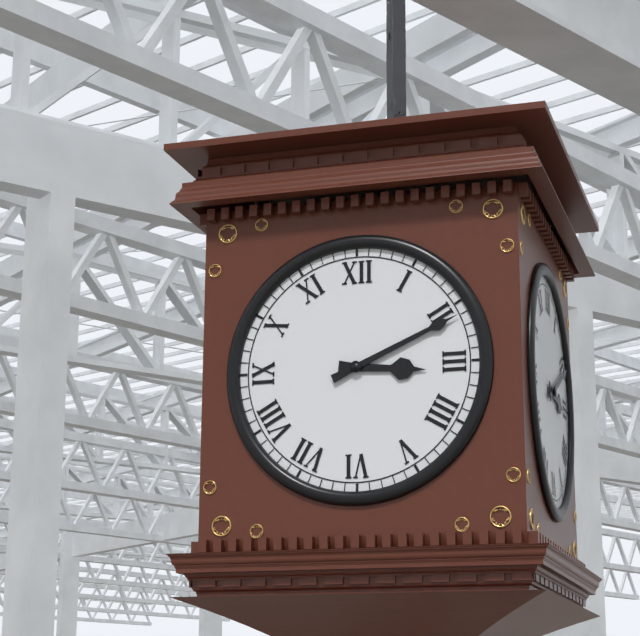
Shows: 3:11
